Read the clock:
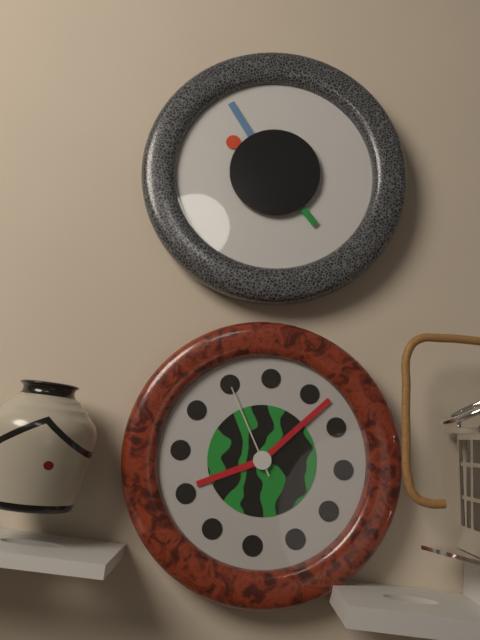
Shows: 8:07:55
